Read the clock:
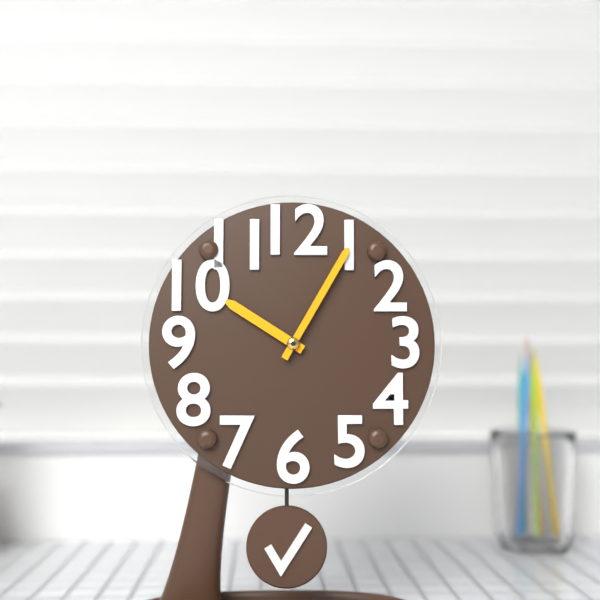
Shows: 10:05
